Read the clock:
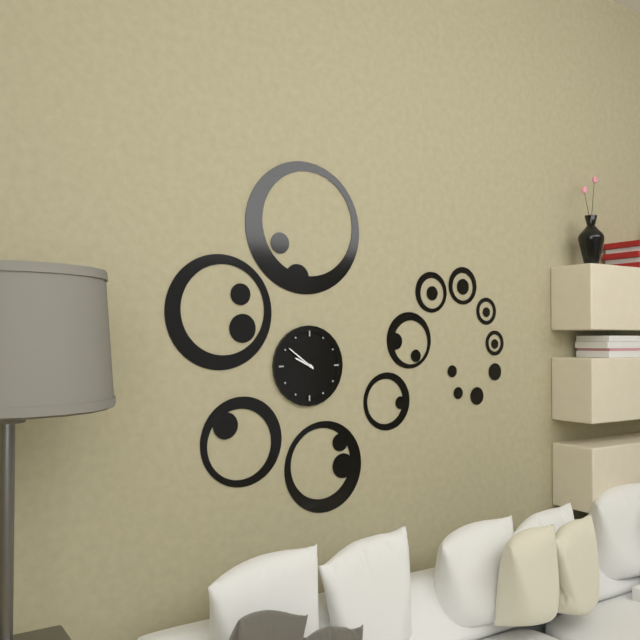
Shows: 9:51
